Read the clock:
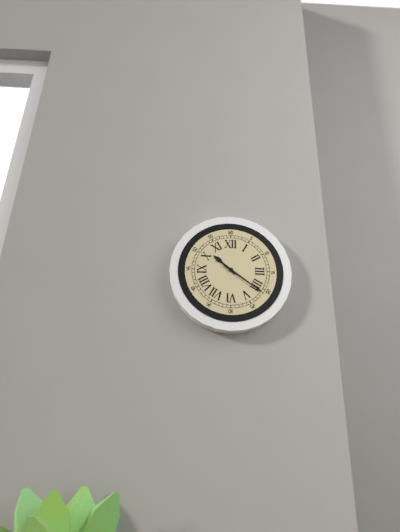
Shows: 10:21
